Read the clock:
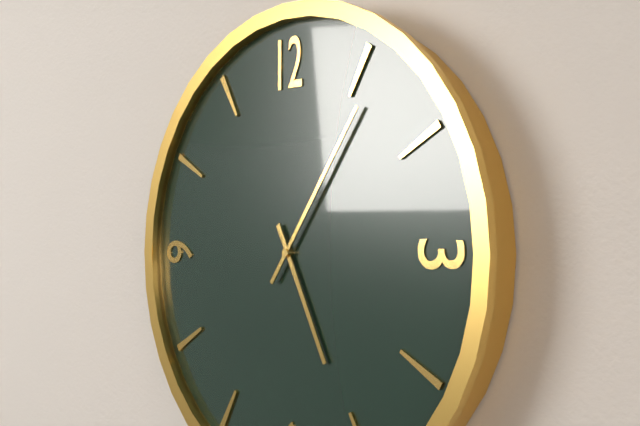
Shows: 5:06
